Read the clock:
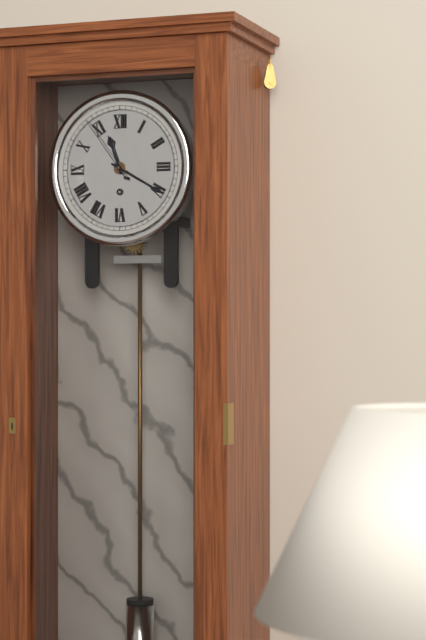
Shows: 11:20:54
